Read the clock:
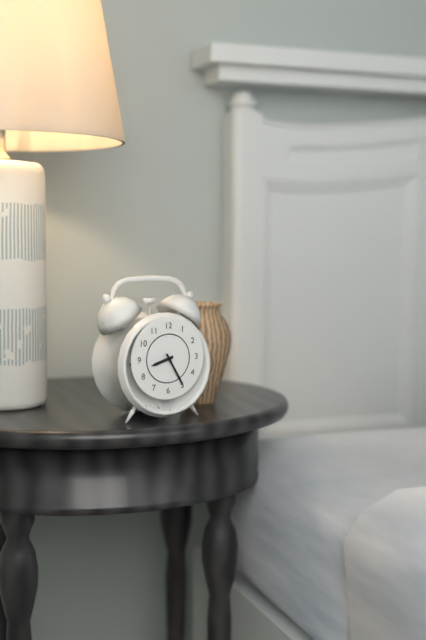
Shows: 8:25
